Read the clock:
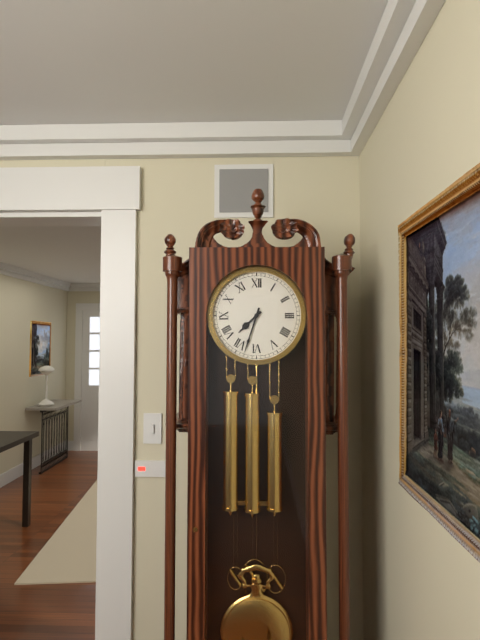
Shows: 7:33
